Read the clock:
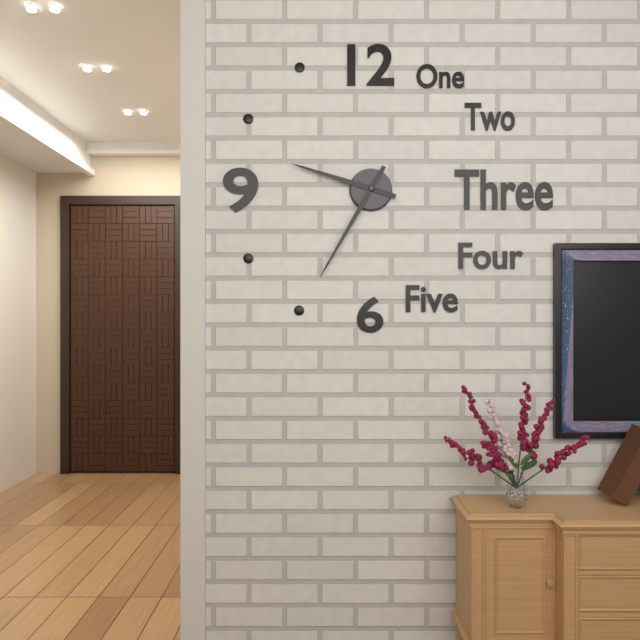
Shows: 9:35
